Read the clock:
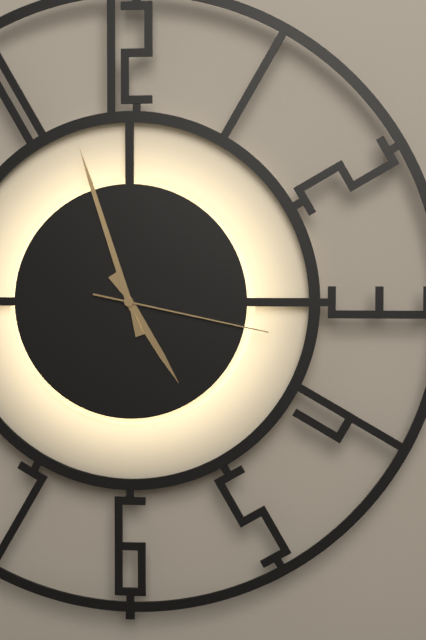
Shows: 4:57:17
